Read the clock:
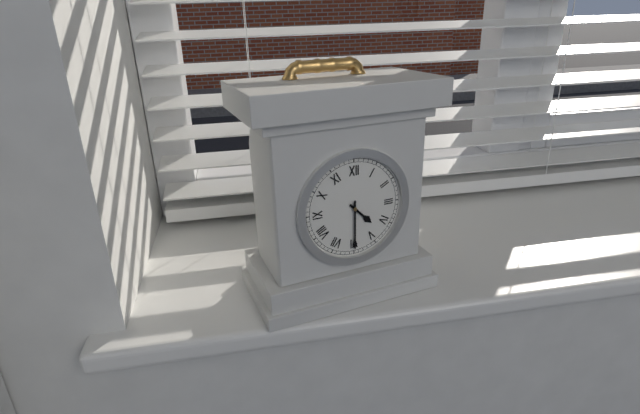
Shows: 4:30
